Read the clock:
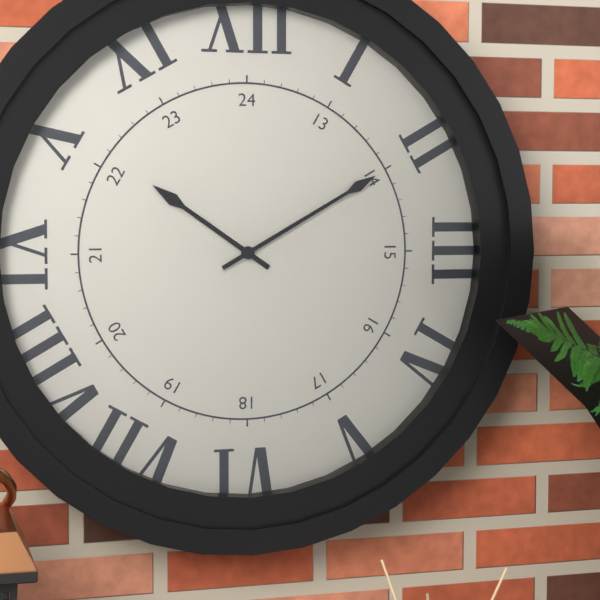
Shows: 10:10
